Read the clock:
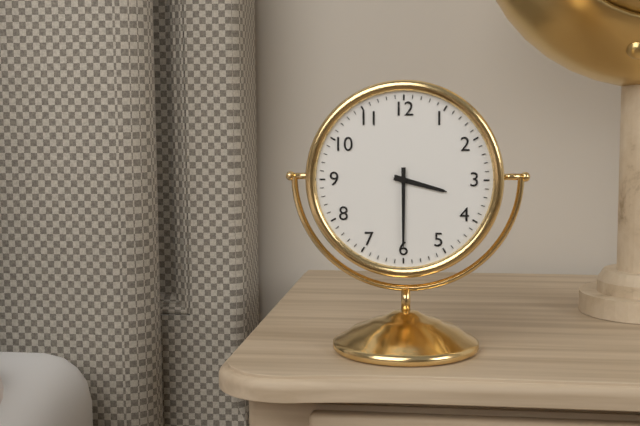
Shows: 3:30
